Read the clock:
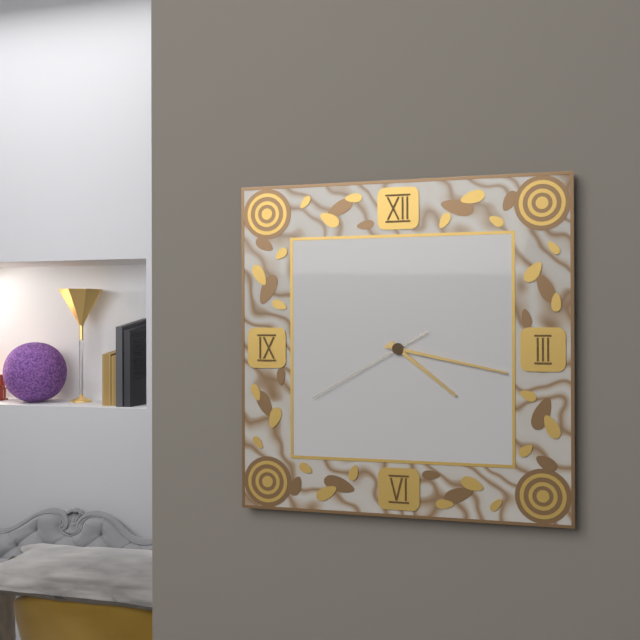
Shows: 4:17:40
